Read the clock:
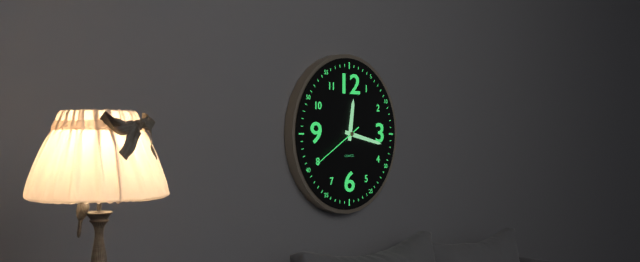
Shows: 12:17:40
